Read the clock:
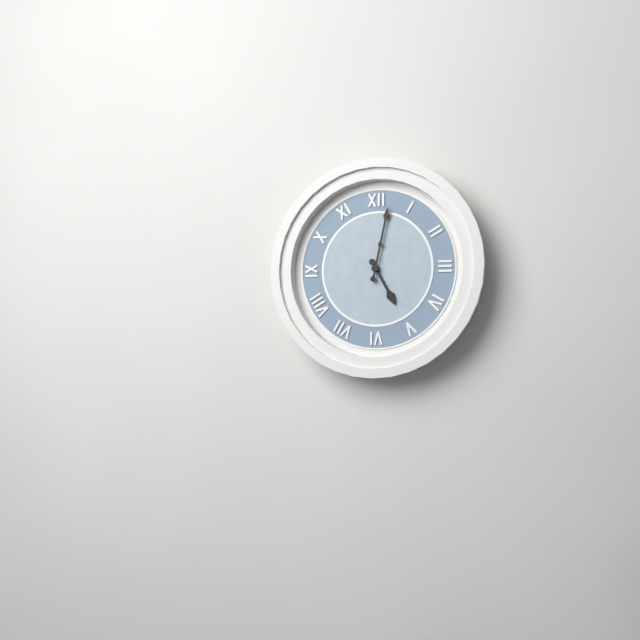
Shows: 5:02
